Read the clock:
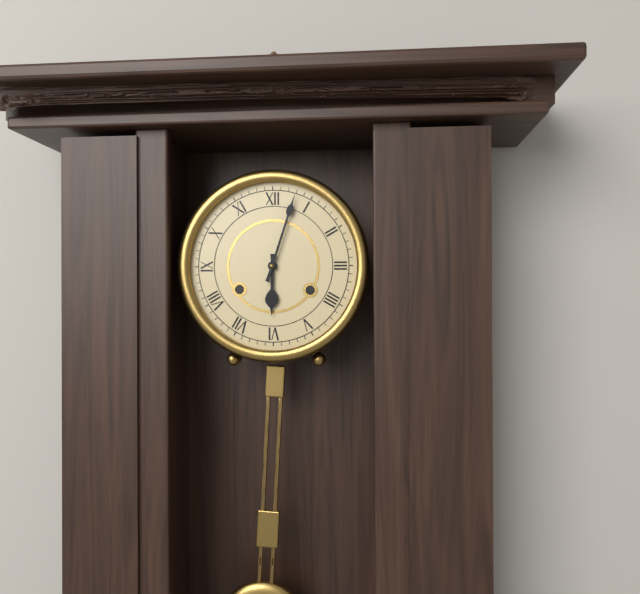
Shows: 6:03
